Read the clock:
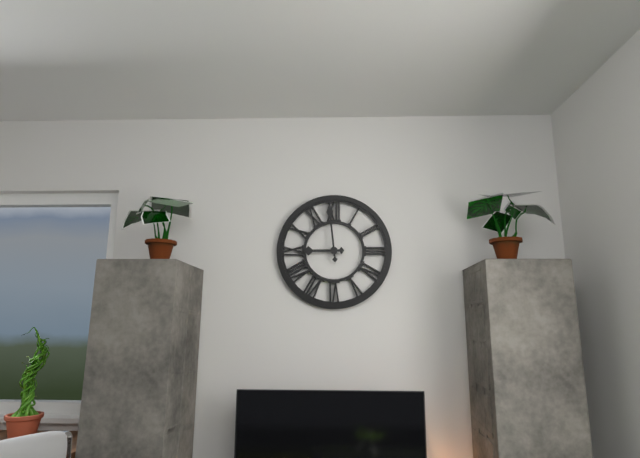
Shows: 8:59
